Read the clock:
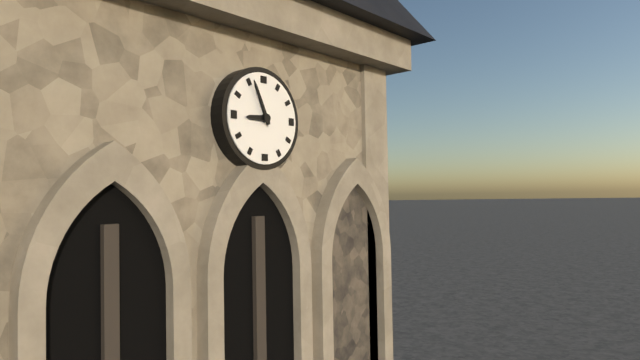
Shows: 8:56
